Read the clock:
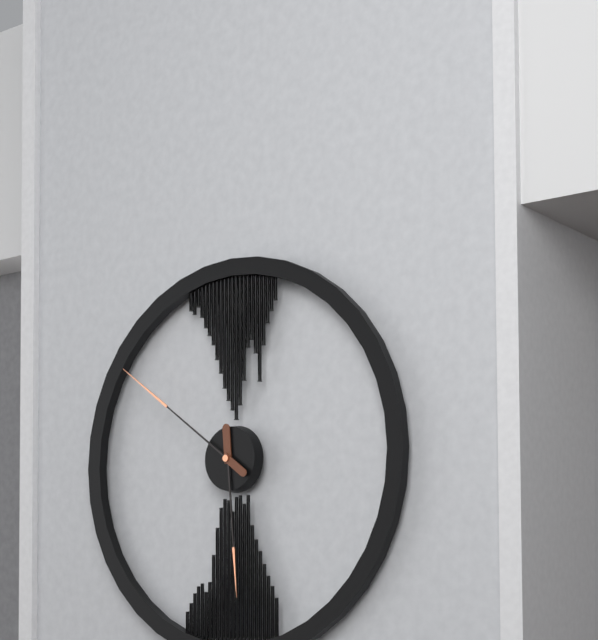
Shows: 5:51
